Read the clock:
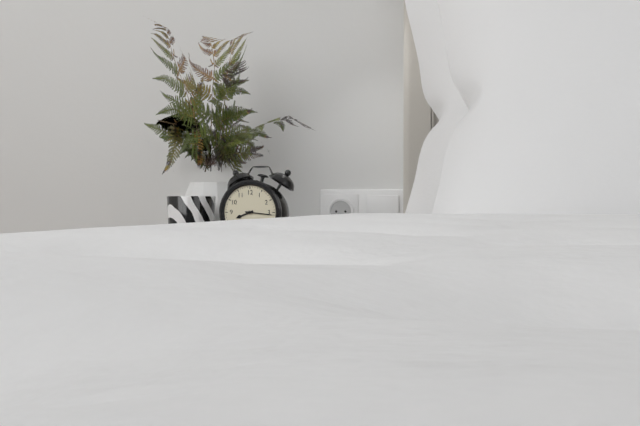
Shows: 8:16
